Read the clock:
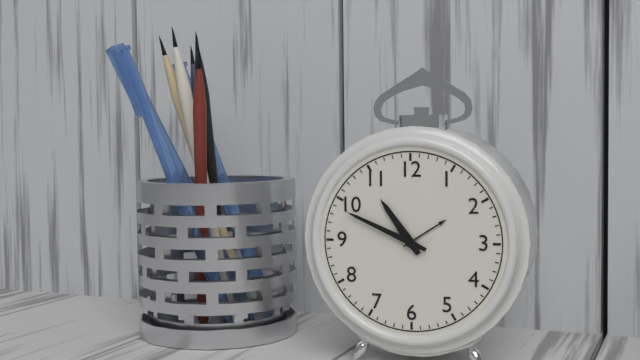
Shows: 10:49
